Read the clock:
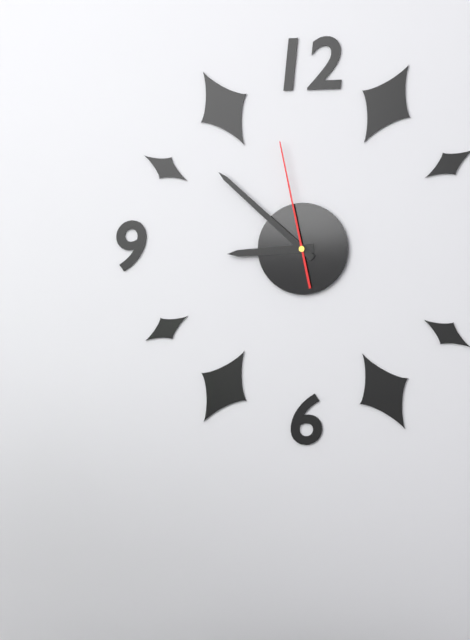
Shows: 8:52:58
